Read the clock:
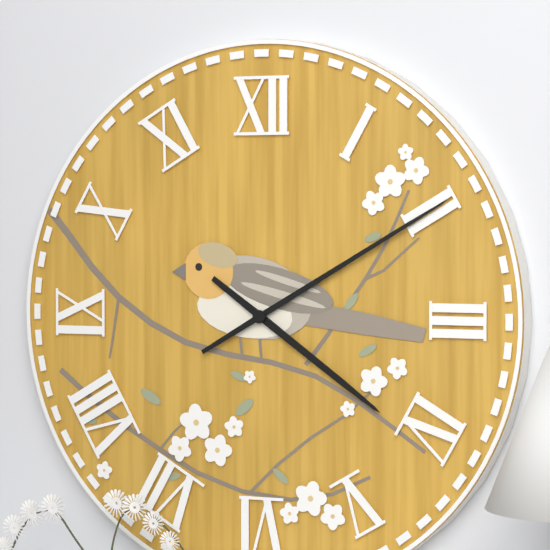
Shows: 4:10
